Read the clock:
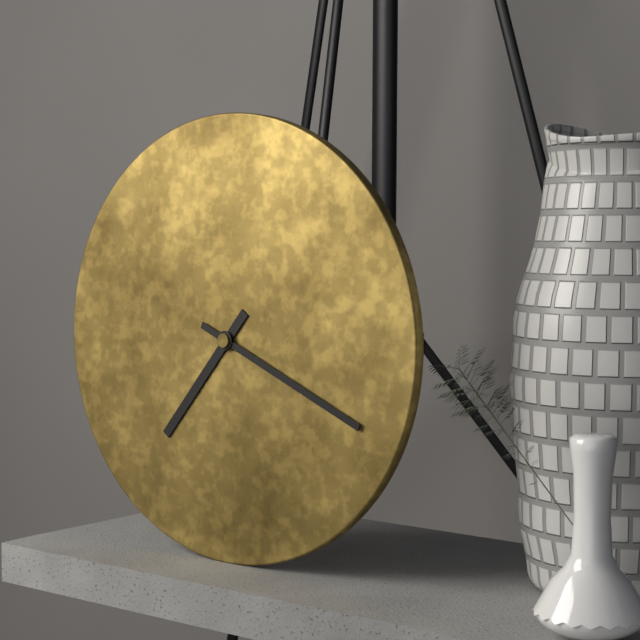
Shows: 7:19
